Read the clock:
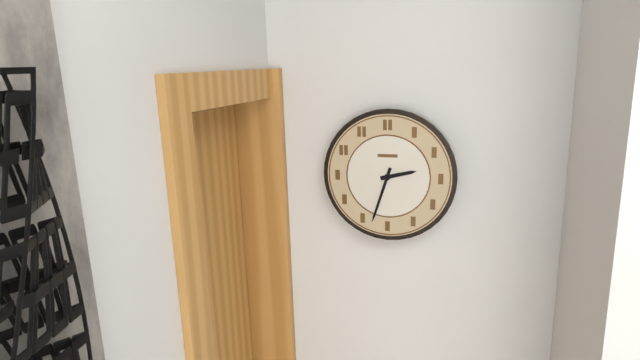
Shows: 2:33
